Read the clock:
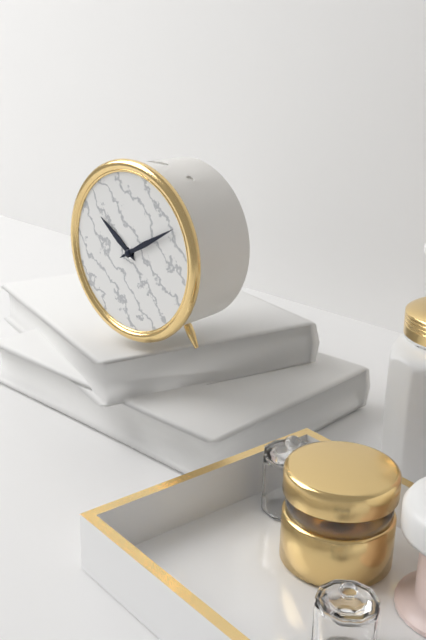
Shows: 10:10
